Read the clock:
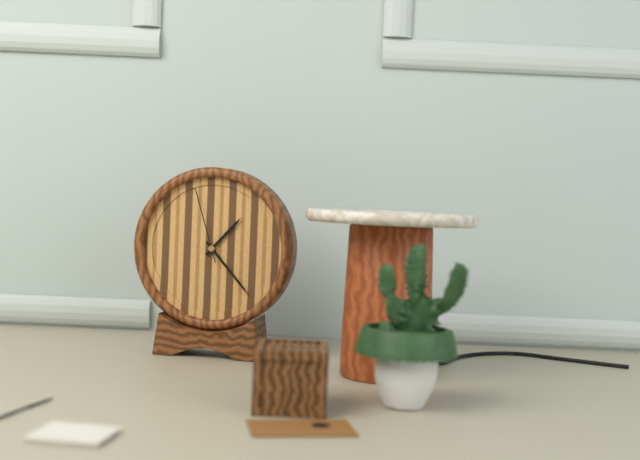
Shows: 1:23:57
